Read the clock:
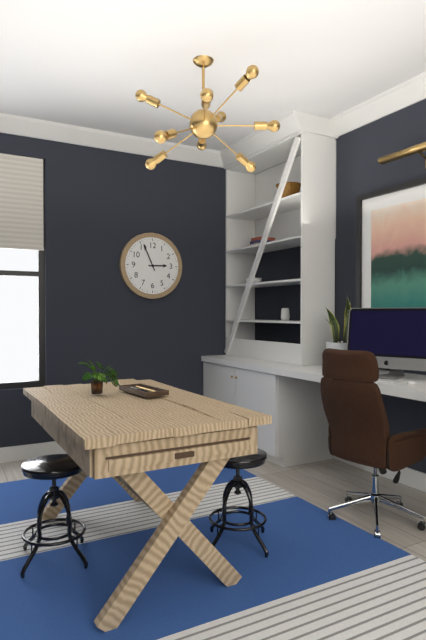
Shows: 2:56
